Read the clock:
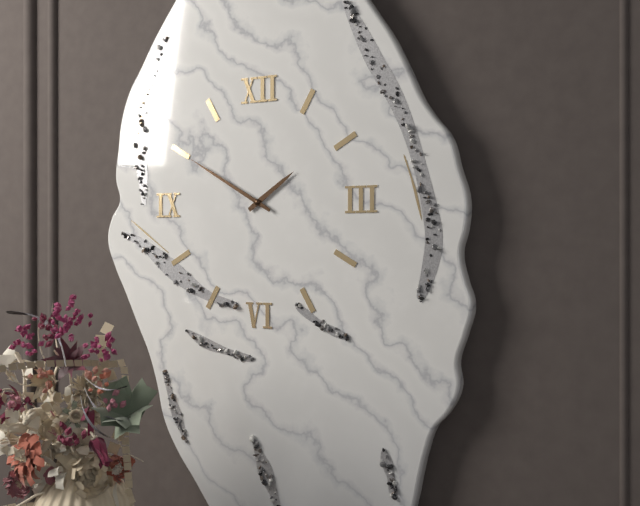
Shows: 1:50
